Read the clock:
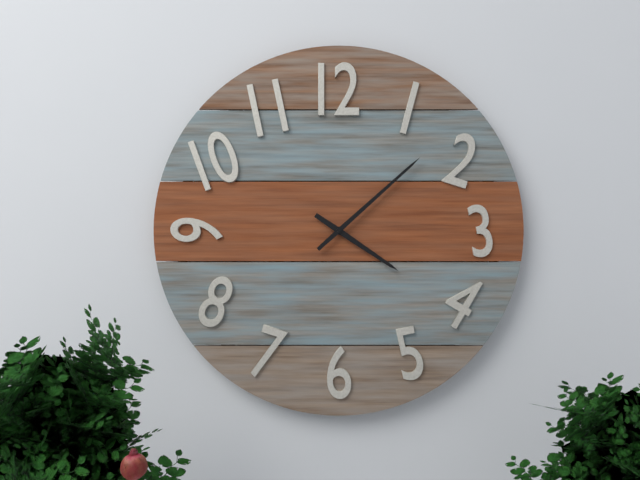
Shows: 4:08
